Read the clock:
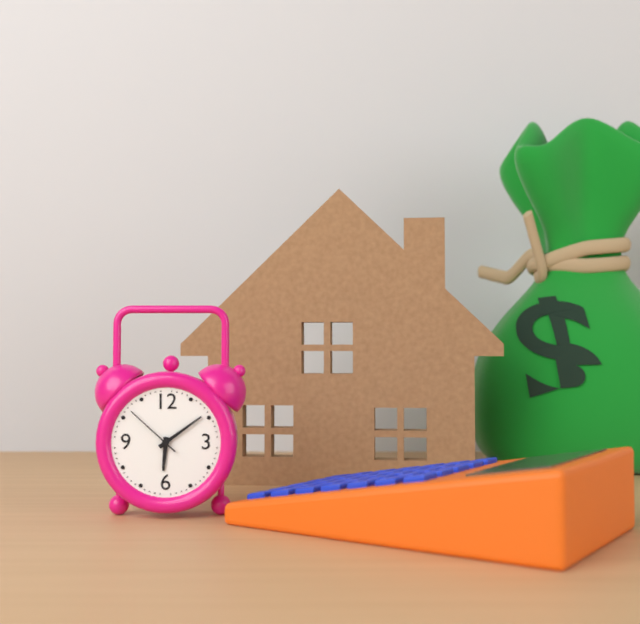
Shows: 6:09:52
